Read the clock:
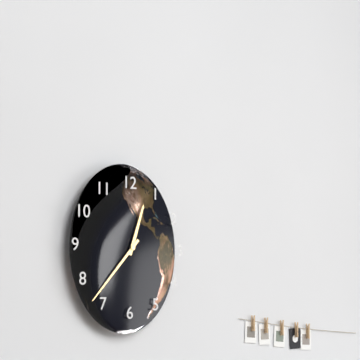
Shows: 12:37
